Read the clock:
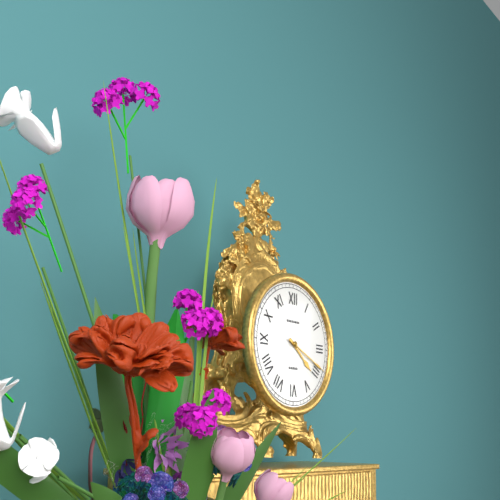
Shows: 4:19
